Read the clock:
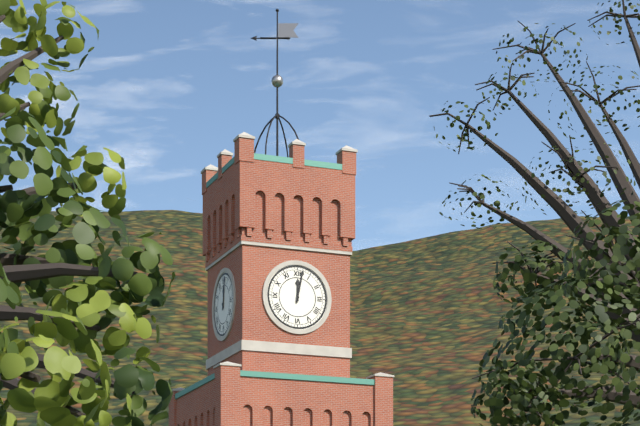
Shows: 12:02
